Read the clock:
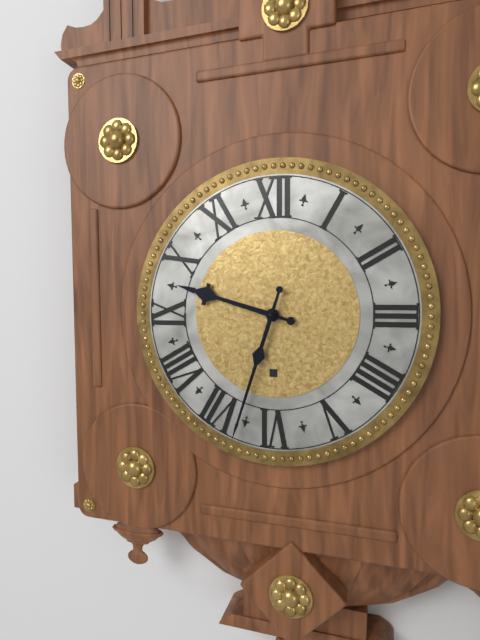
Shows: 9:33
